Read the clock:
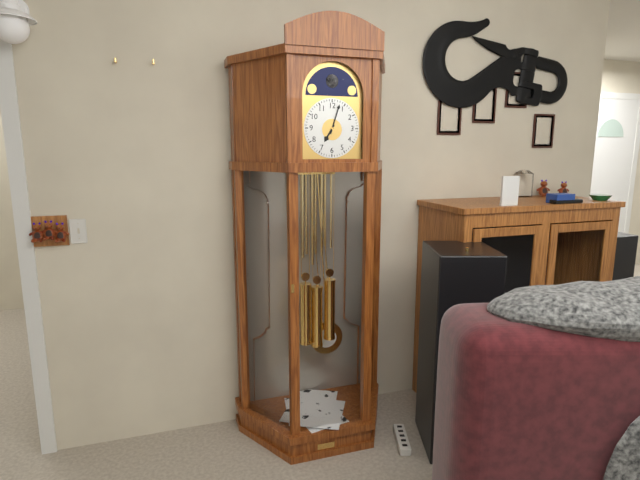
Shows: 7:03
